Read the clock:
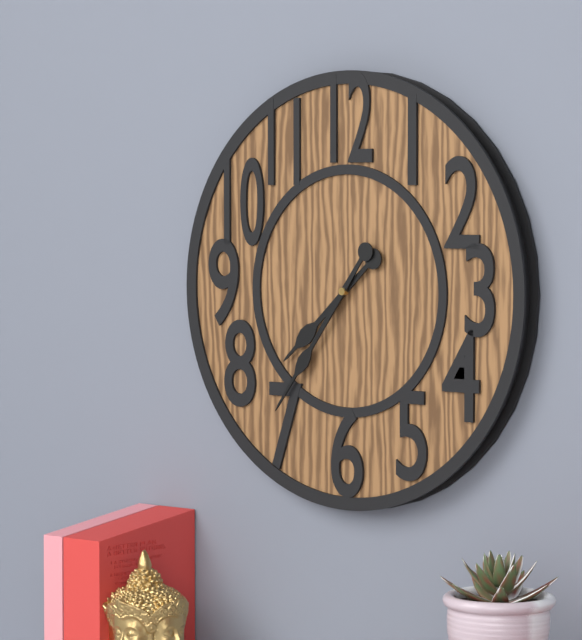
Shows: 7:36
